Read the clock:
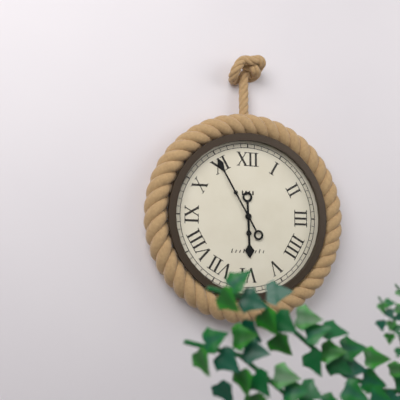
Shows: 5:55
